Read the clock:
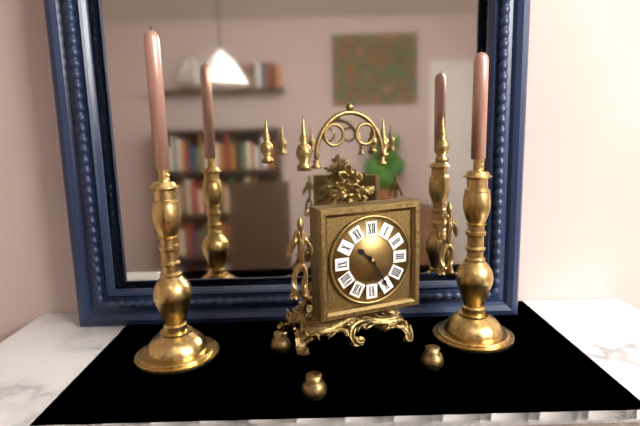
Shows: 10:25
